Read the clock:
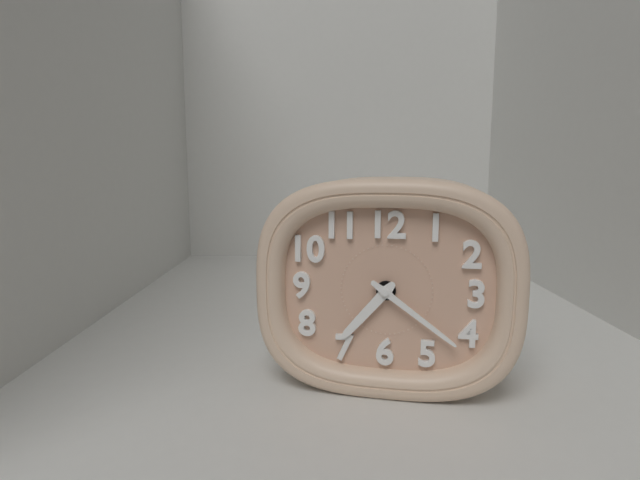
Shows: 7:21
